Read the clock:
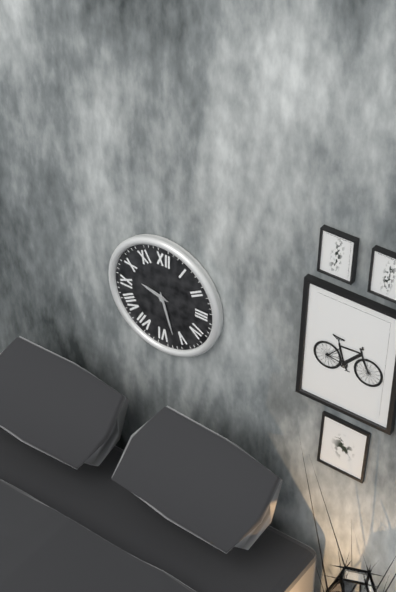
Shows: 9:27
